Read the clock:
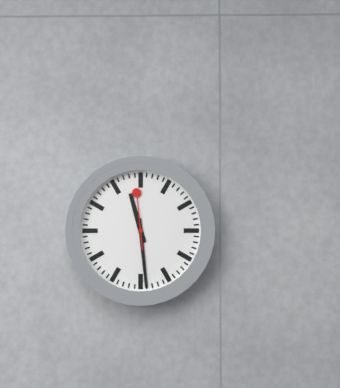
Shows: 11:29:59
